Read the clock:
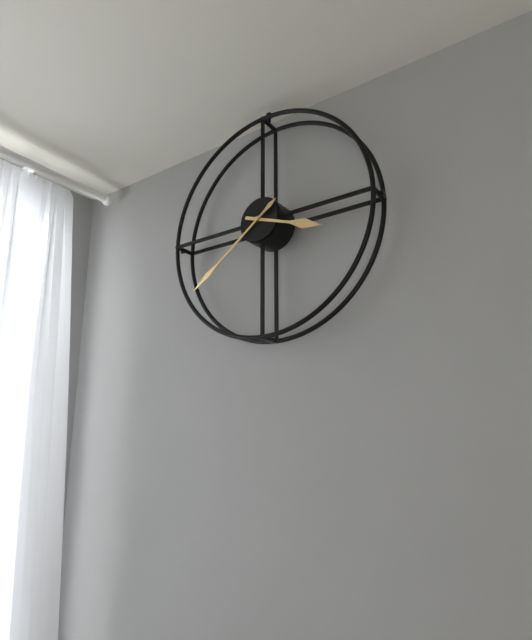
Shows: 3:39
